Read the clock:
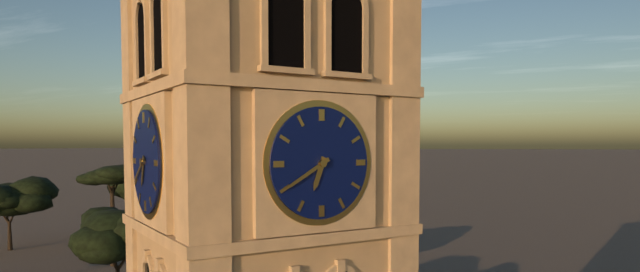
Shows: 6:40
